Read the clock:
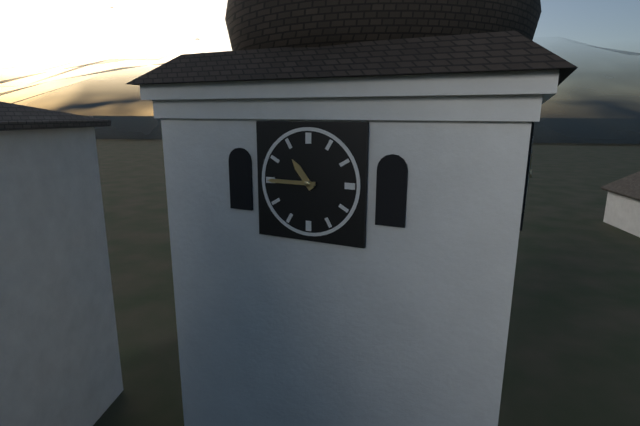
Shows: 10:45
